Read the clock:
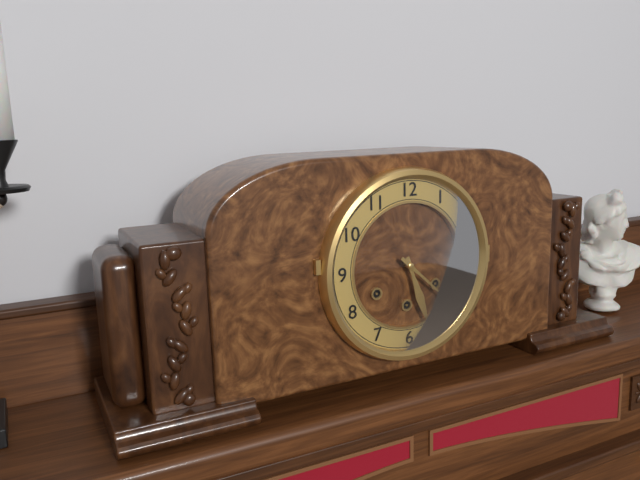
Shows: 5:22
